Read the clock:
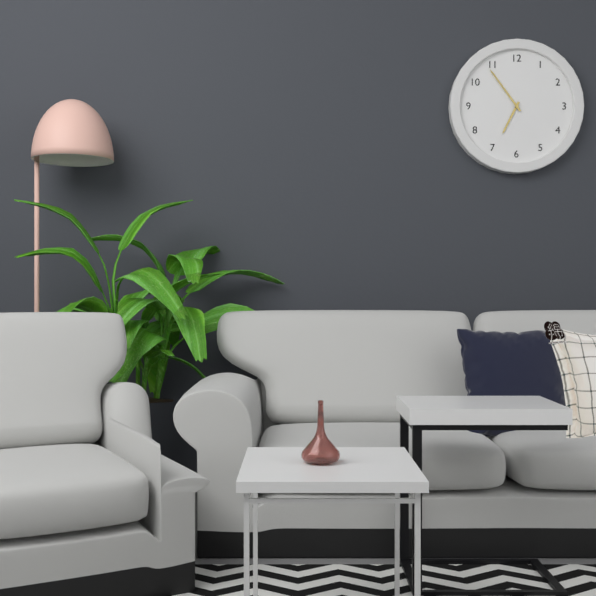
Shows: 6:54
